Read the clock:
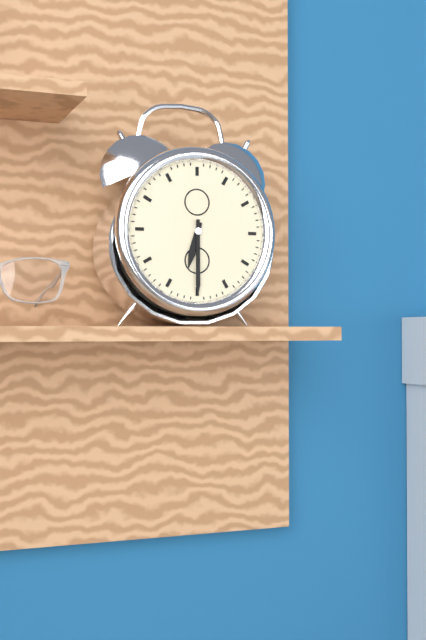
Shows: 6:30
